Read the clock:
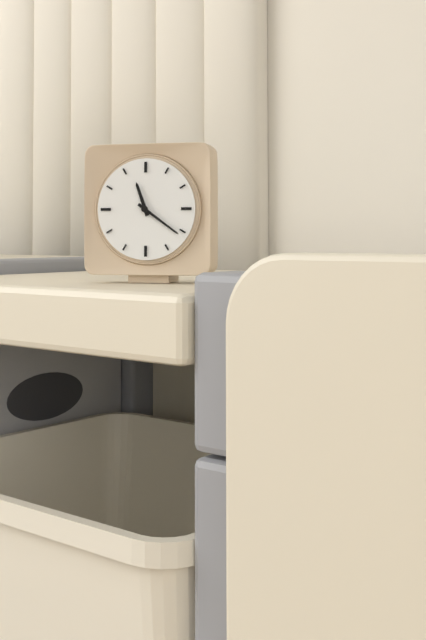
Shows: 11:21
